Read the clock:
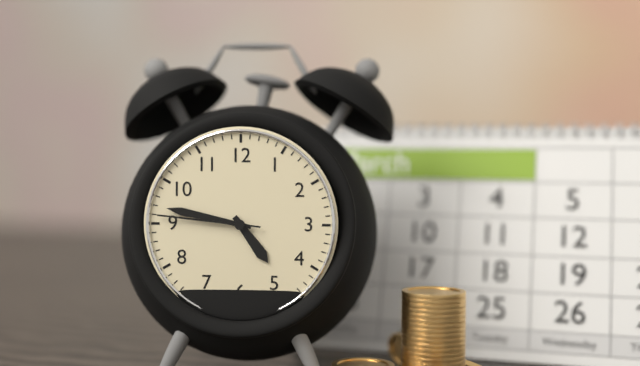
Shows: 4:47:46
